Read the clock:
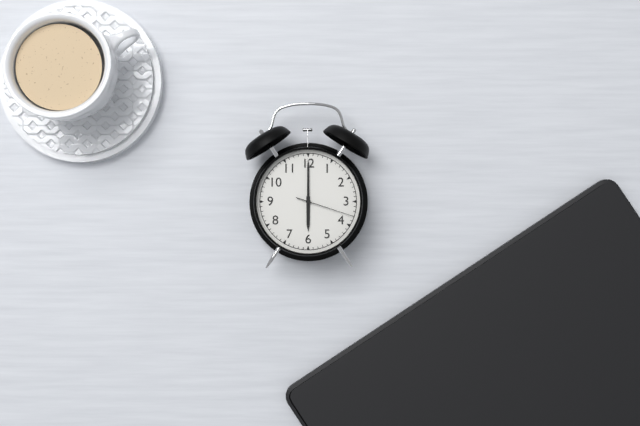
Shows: 6:00:18
